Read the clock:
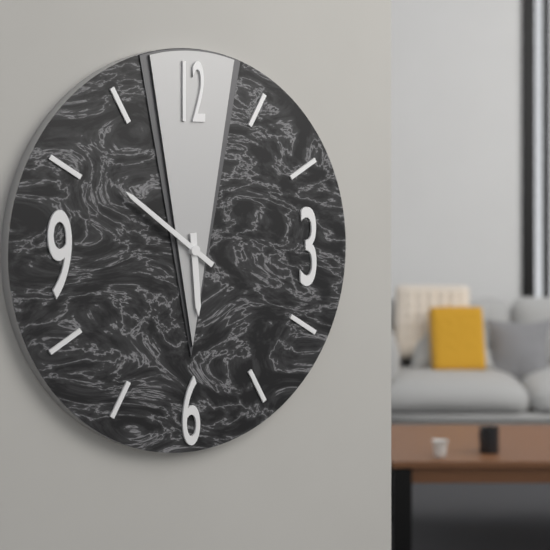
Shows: 5:51
